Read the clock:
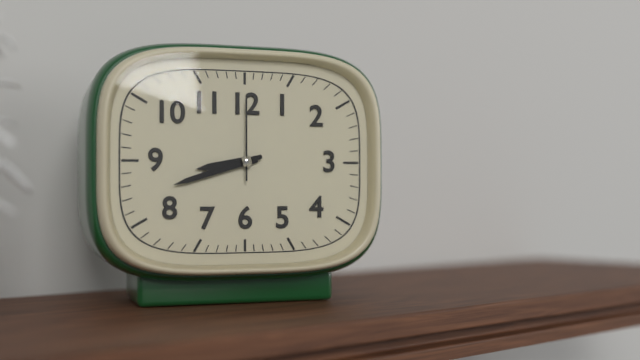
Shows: 8:42:00
